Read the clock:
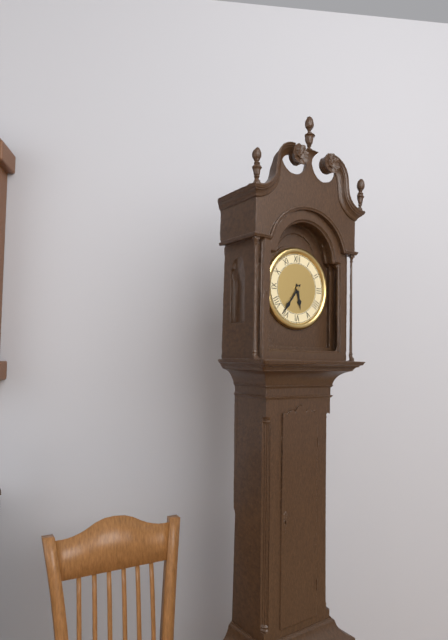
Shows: 5:36
